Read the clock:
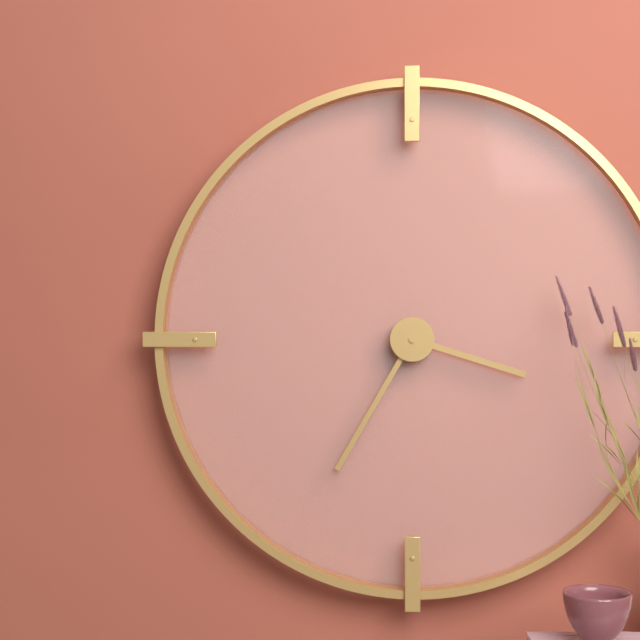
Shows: 3:35
